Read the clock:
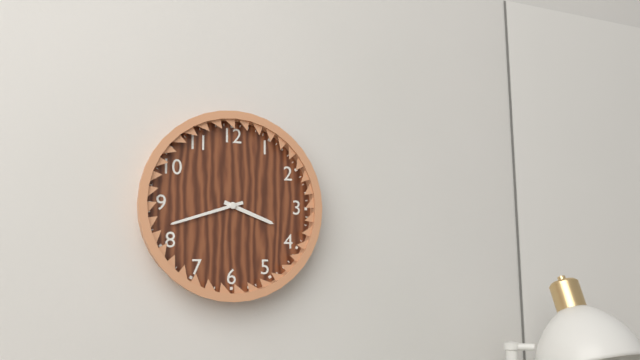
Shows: 3:42
